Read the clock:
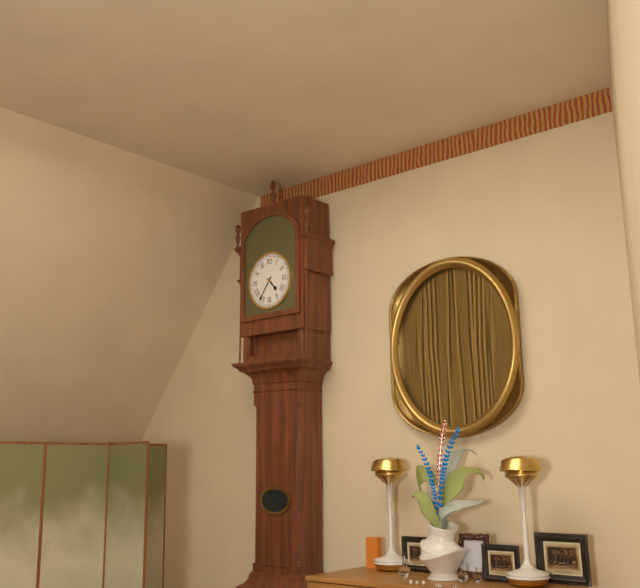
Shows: 4:36
